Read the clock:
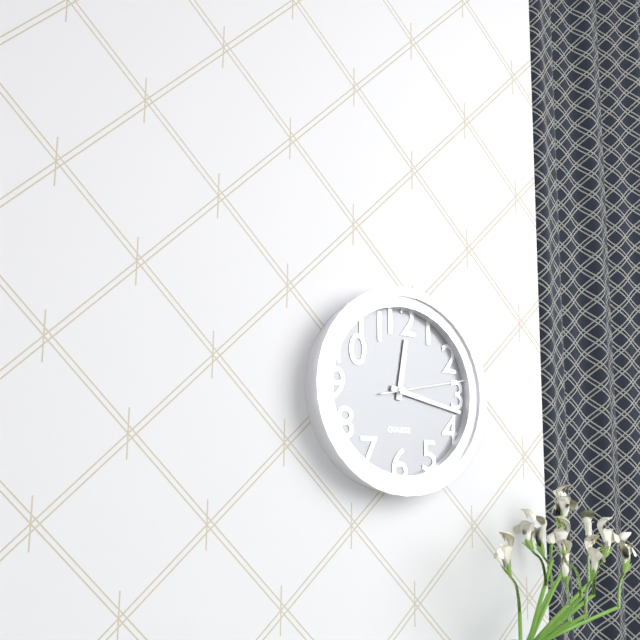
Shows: 12:17:13
